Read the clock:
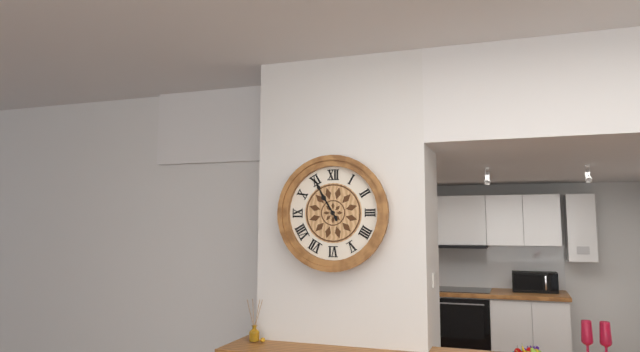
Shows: 10:55
